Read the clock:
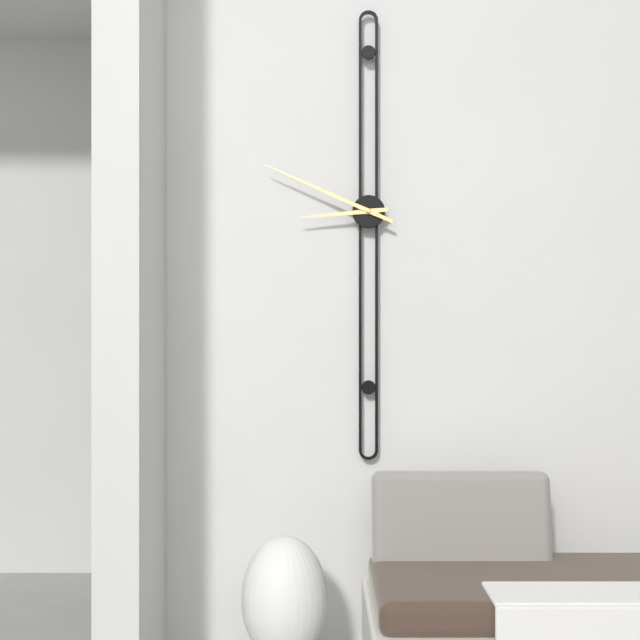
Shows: 8:49
